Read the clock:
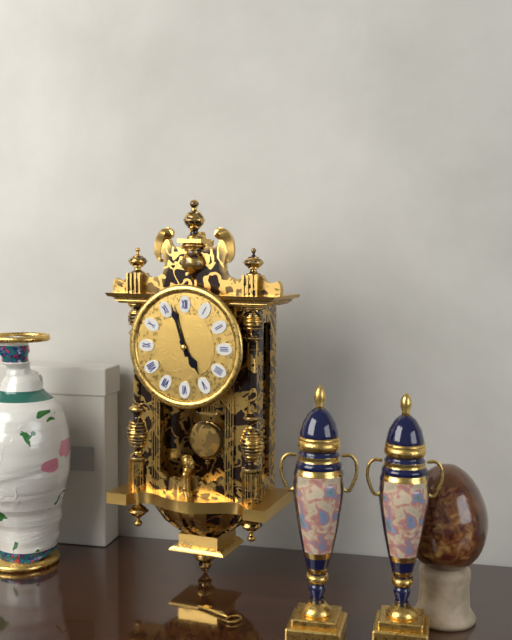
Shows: 4:57
